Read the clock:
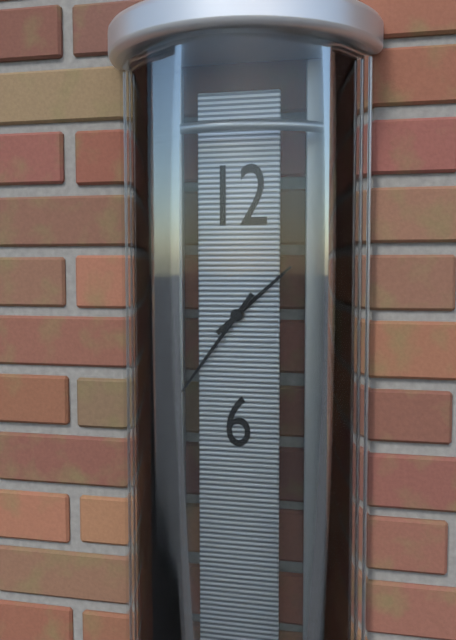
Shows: 1:36
